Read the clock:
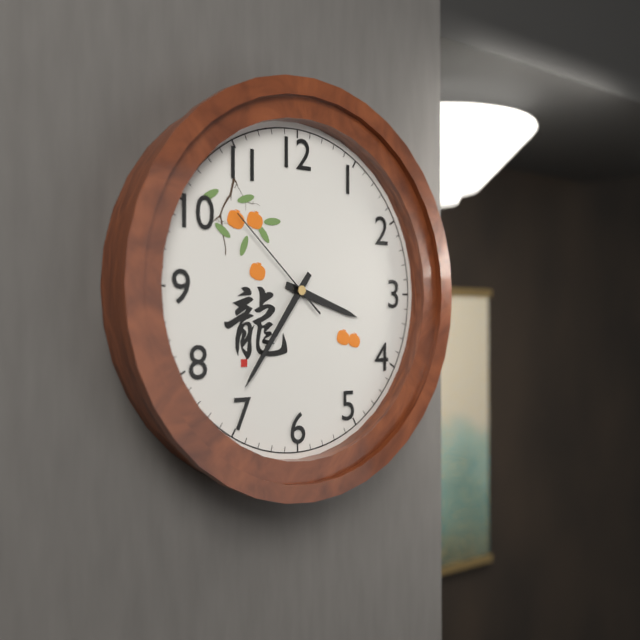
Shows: 3:36:52
